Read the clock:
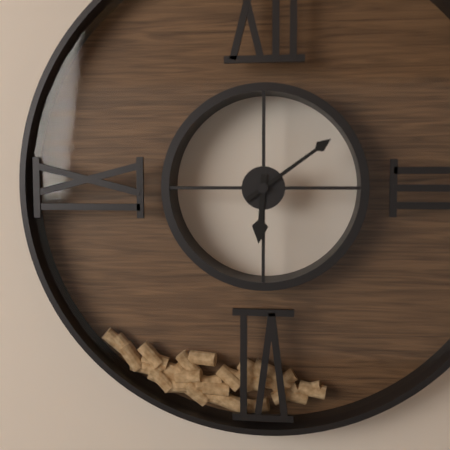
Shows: 6:09
